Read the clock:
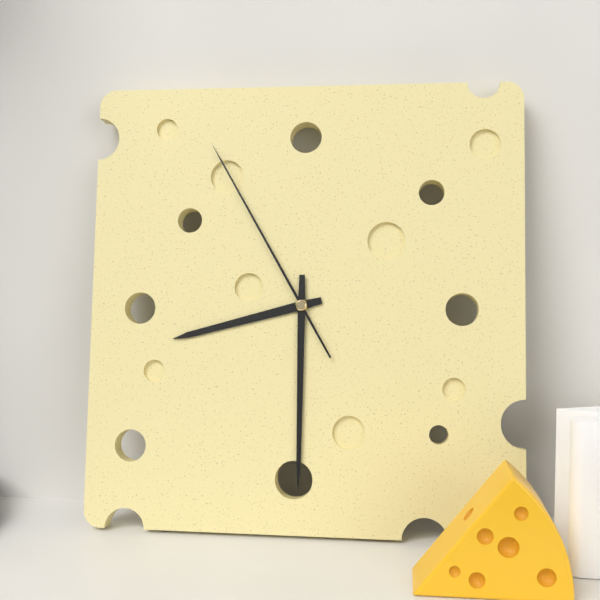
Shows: 8:30:55
